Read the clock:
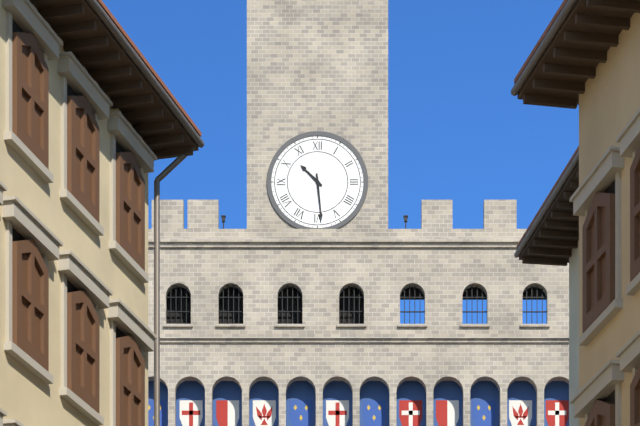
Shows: 10:29
